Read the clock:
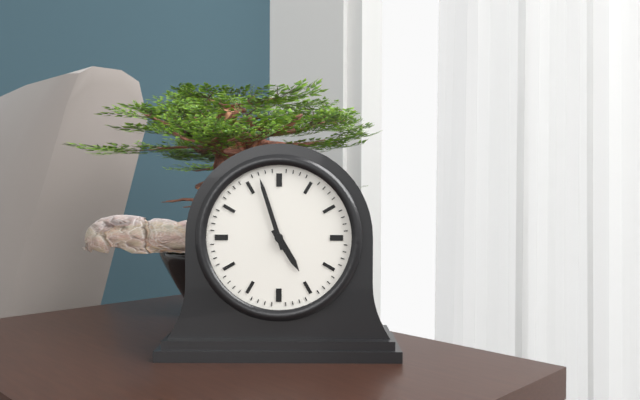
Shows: 4:57
